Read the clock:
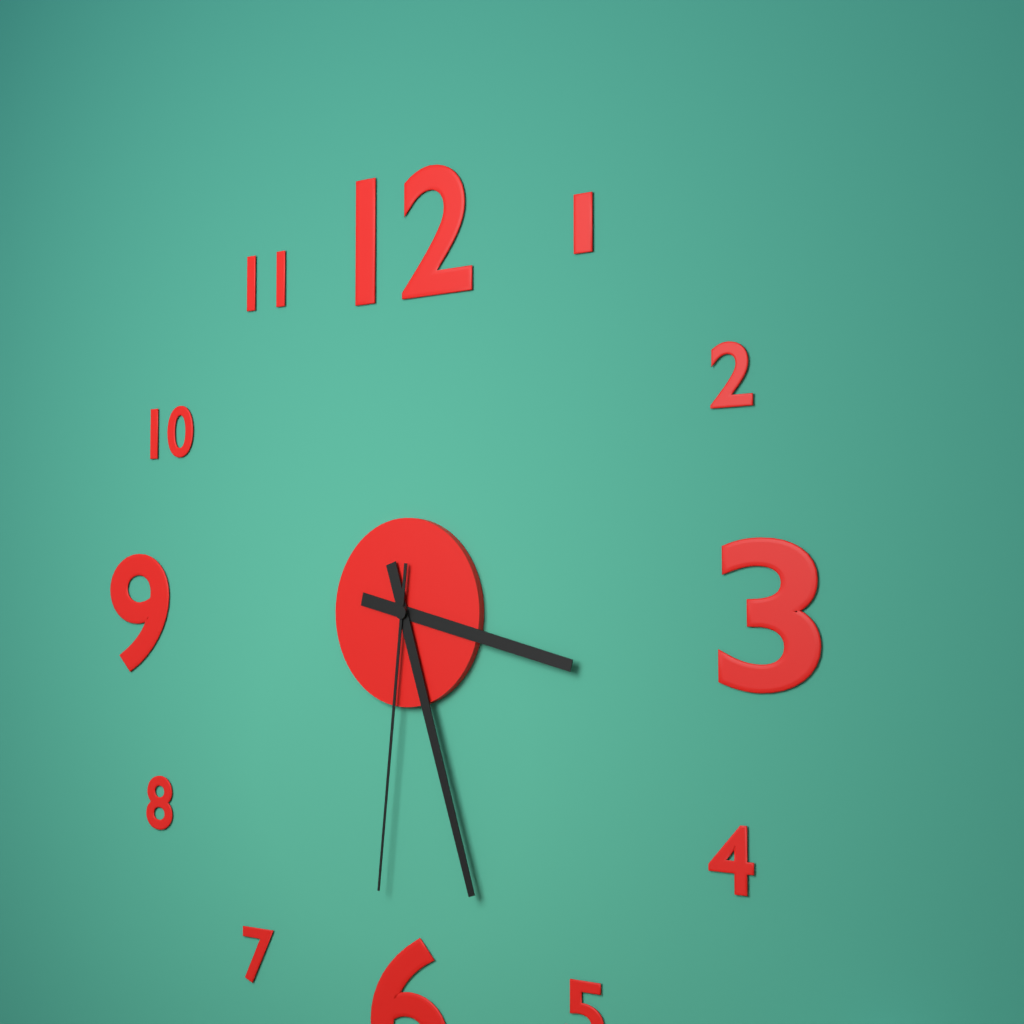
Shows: 3:27:31
